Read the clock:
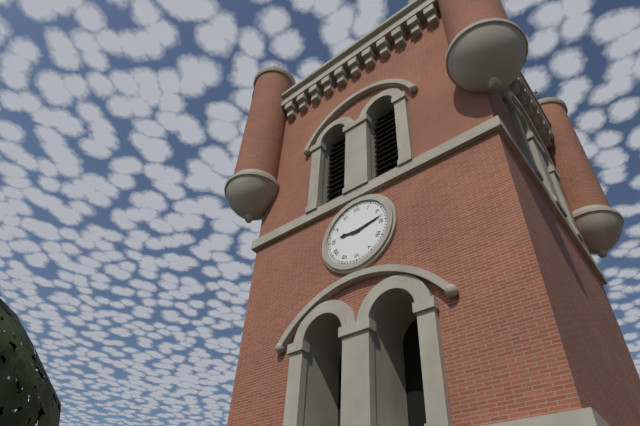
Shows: 9:13
